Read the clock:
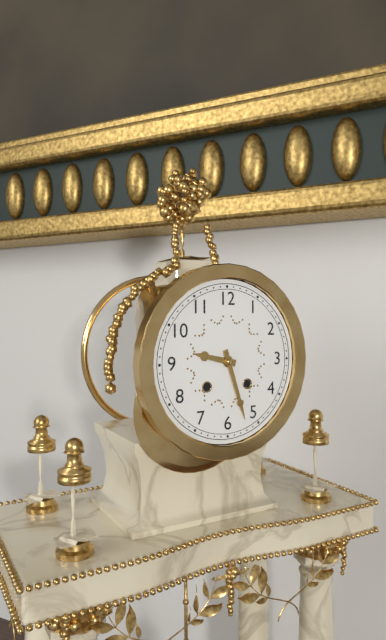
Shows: 9:27
